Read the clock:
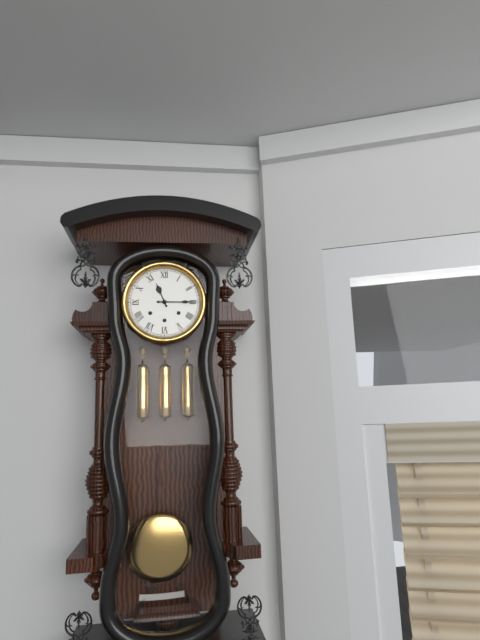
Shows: 11:15
